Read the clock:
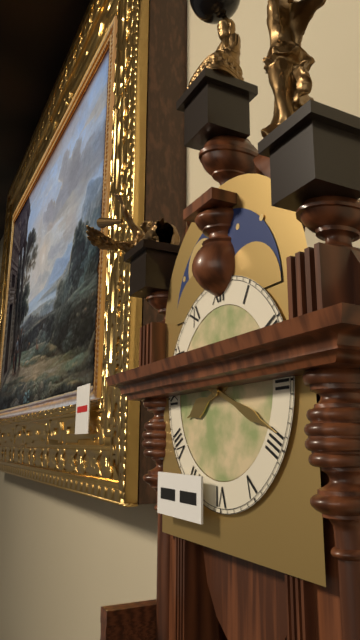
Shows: 8:19
